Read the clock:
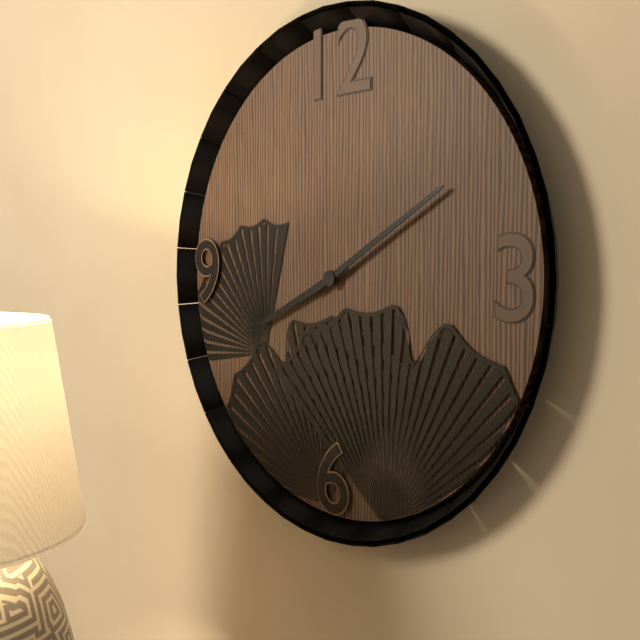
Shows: 8:10
